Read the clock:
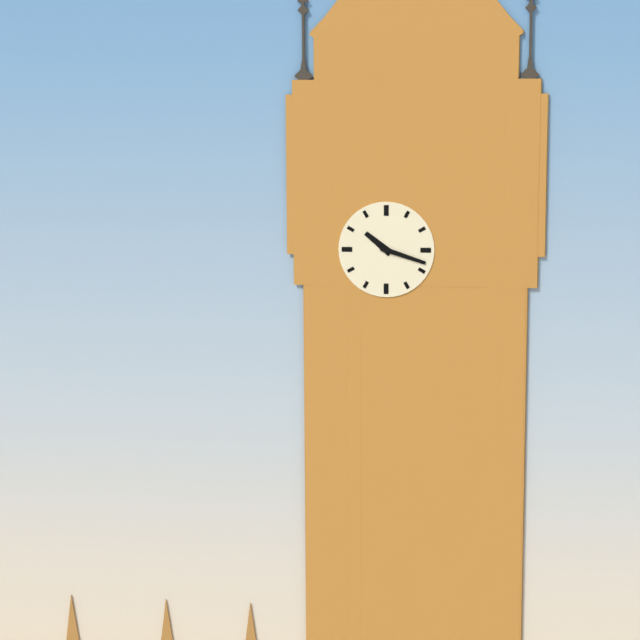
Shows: 10:18
